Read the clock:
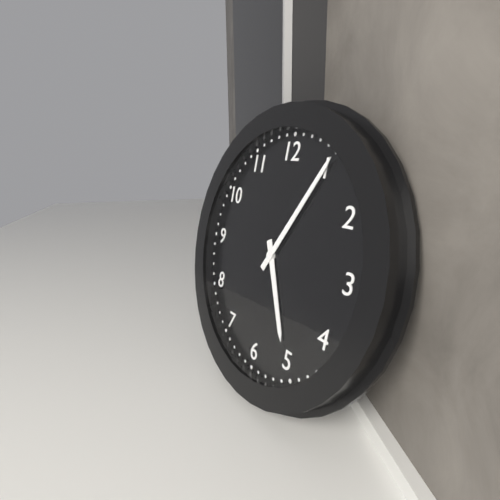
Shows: 5:05
